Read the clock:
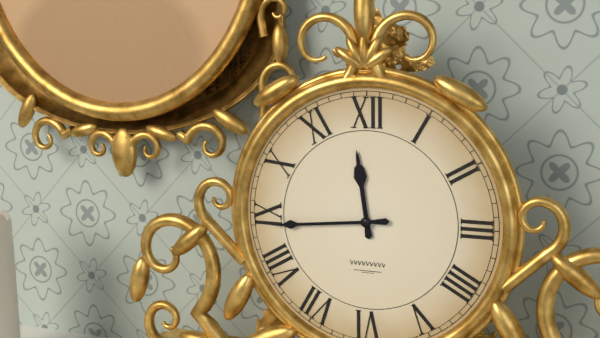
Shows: 11:44
